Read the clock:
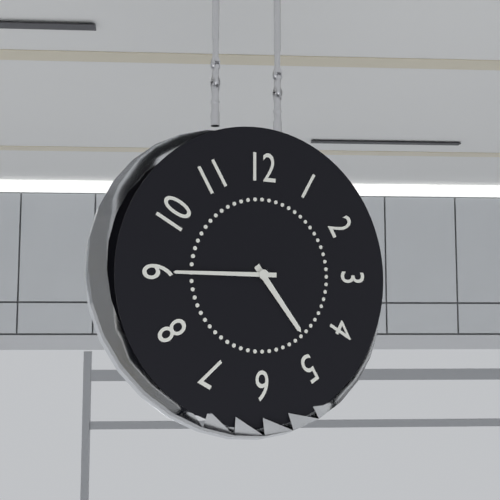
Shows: 4:45
